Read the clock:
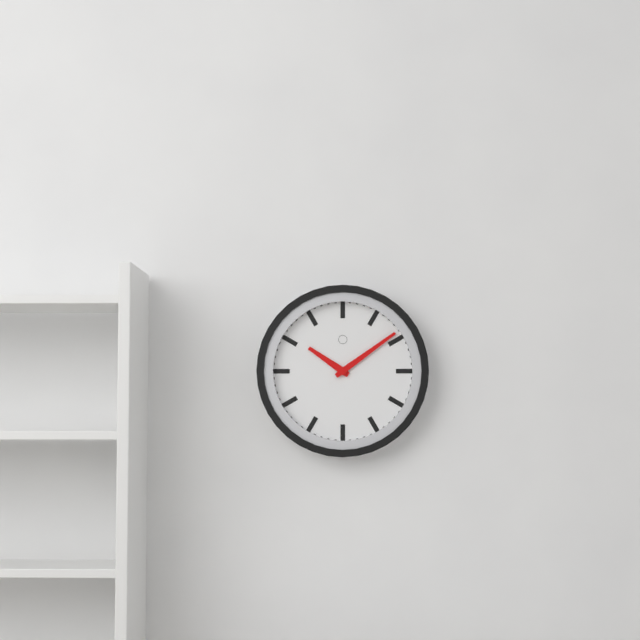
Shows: 10:09
